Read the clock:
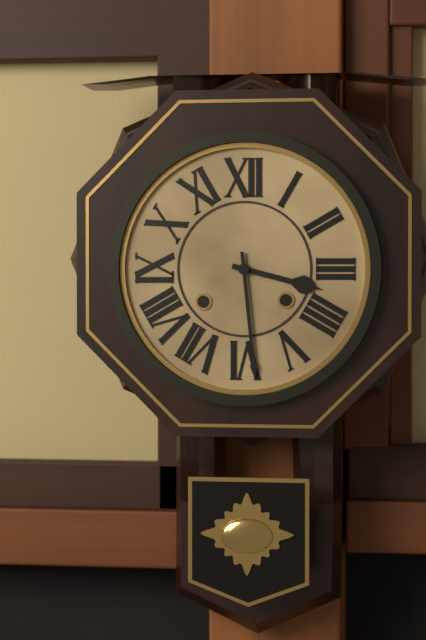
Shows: 3:29
